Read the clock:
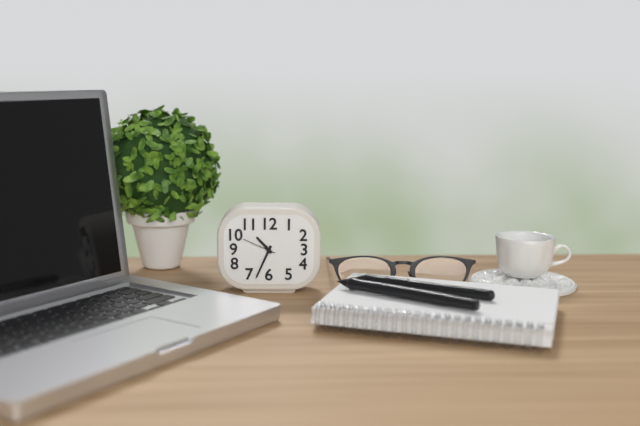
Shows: 10:34
